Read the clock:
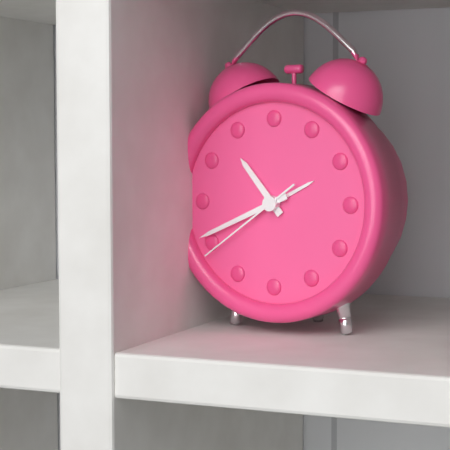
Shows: 10:41:39
